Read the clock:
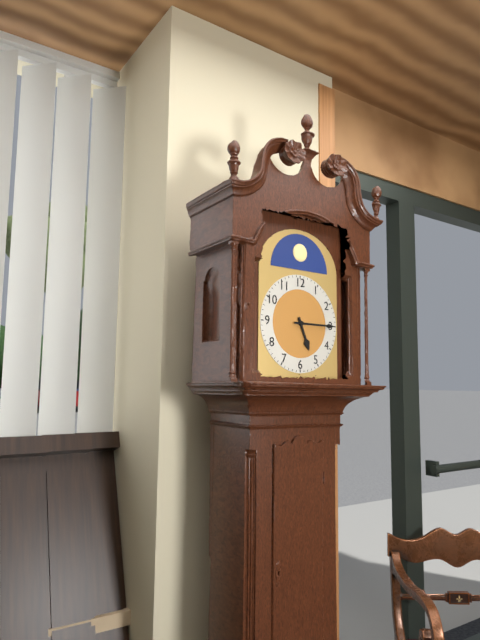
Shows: 5:15
